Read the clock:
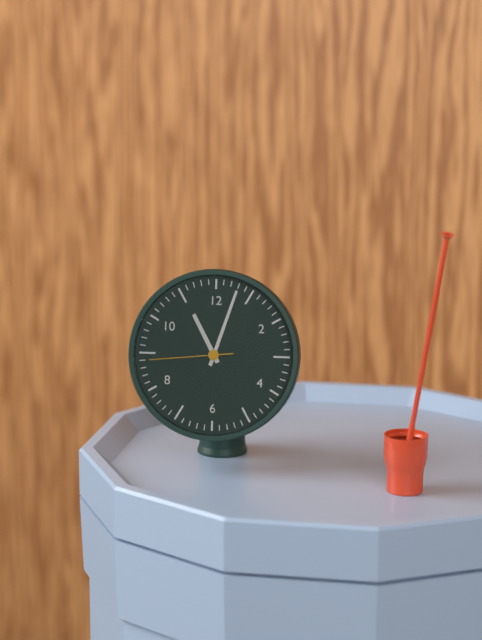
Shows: 11:03:44
